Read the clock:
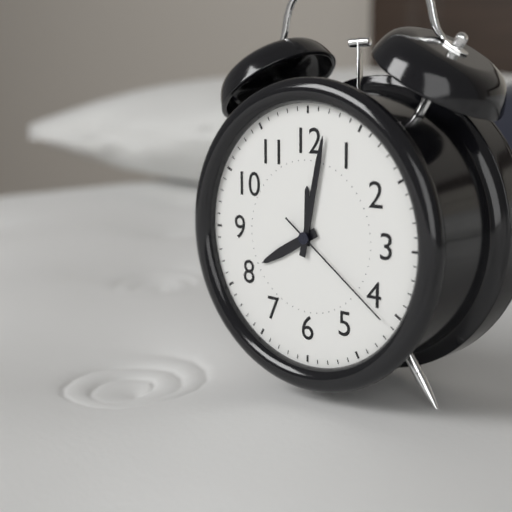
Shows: 8:02:21
